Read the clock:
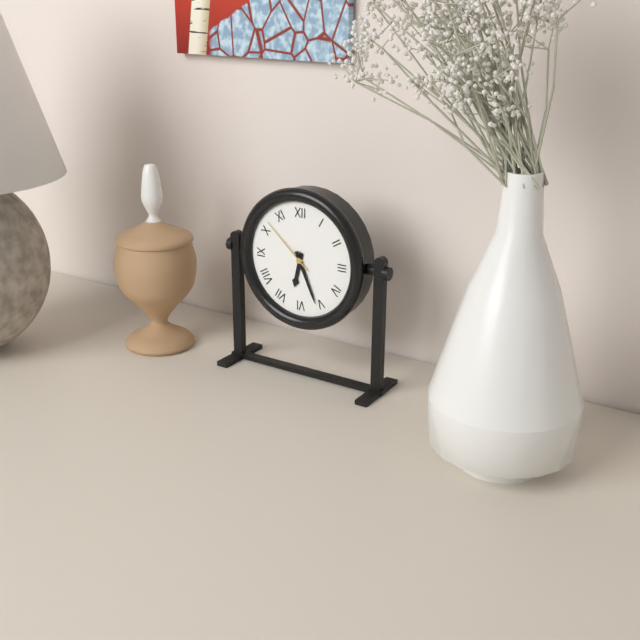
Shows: 6:26:52
